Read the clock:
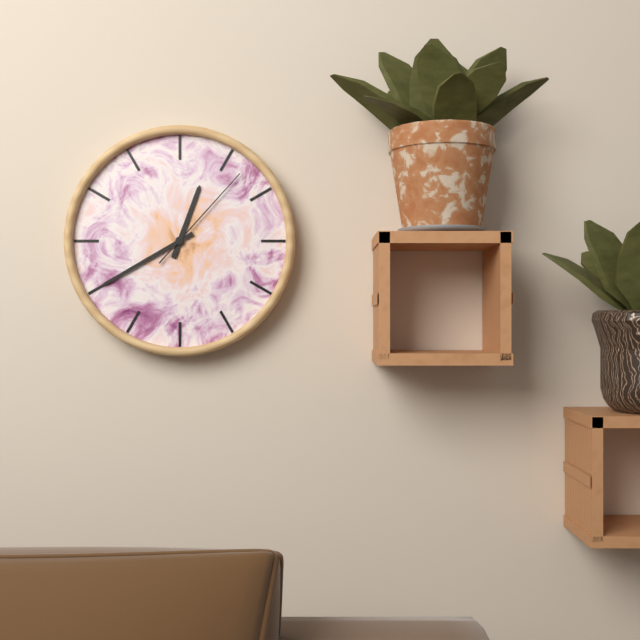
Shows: 12:40:07
